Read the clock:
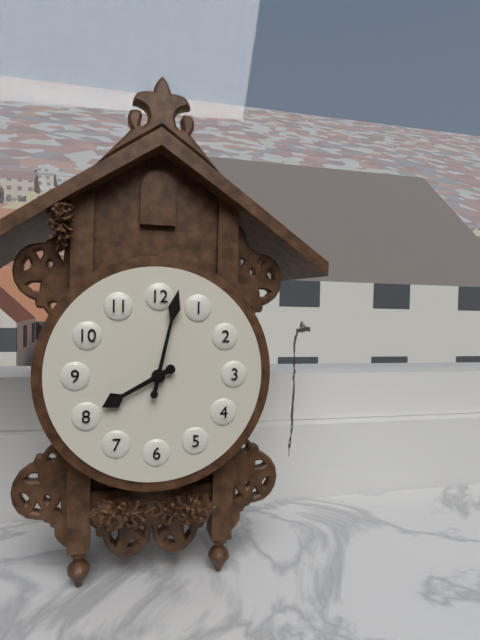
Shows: 8:02
